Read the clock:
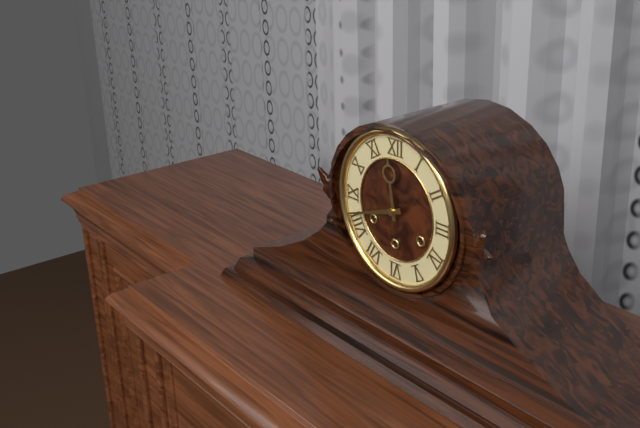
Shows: 11:42
